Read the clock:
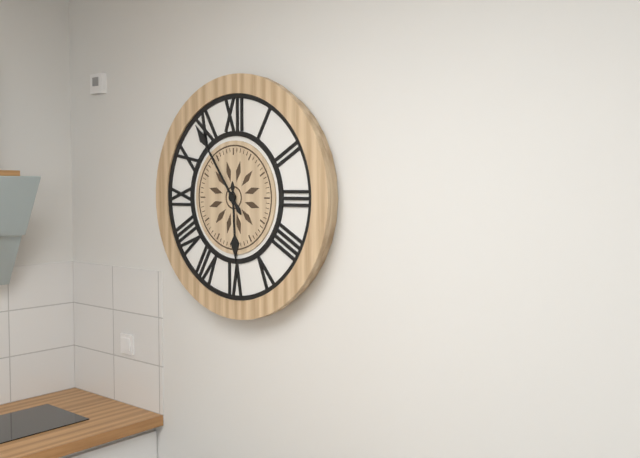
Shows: 5:54
